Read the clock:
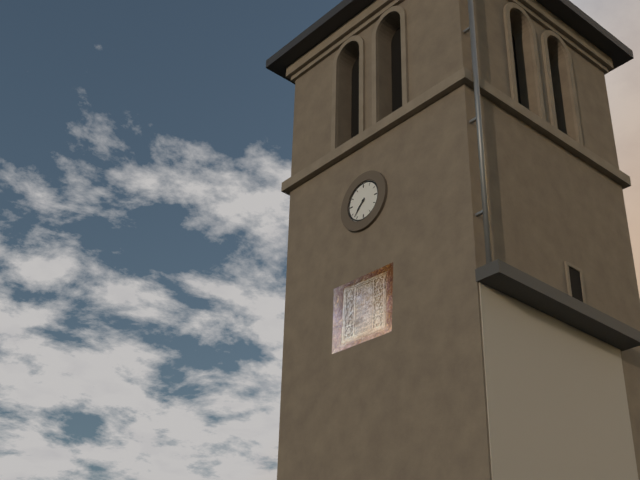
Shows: 7:37
